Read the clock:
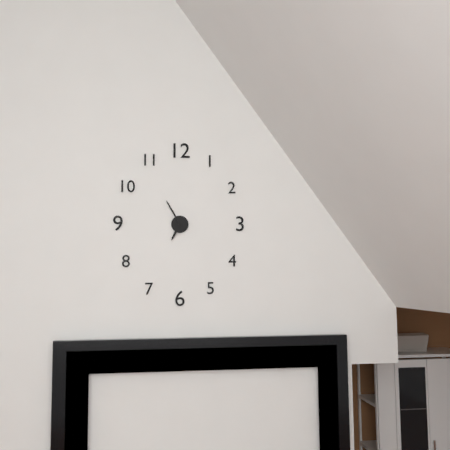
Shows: 6:55
